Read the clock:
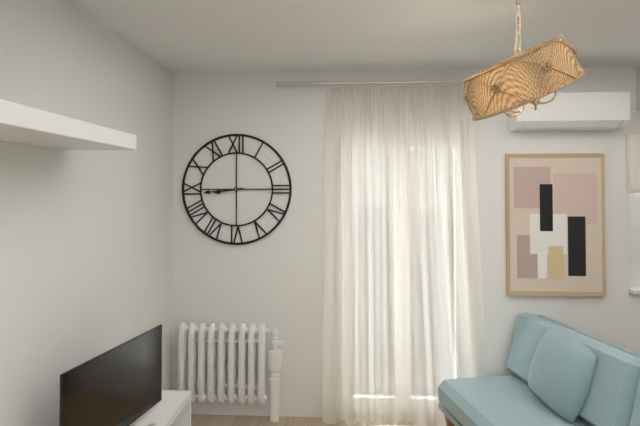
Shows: 8:44
